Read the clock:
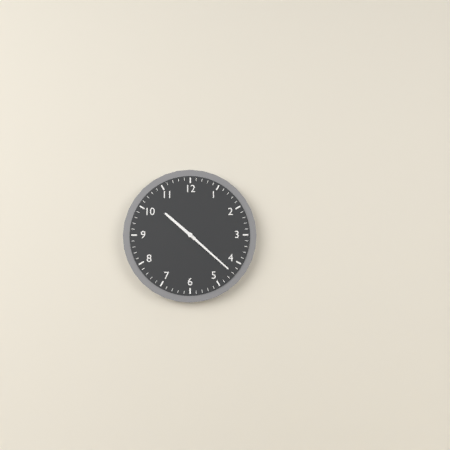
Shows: 10:22
